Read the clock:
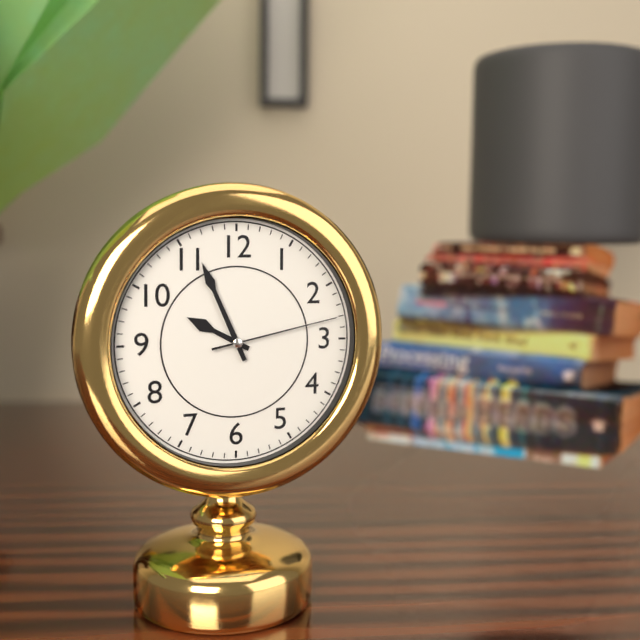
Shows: 9:56:13
